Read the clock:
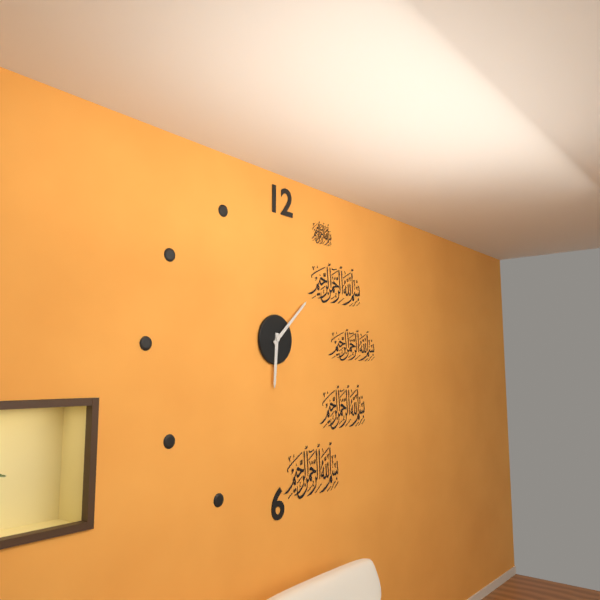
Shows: 6:08
